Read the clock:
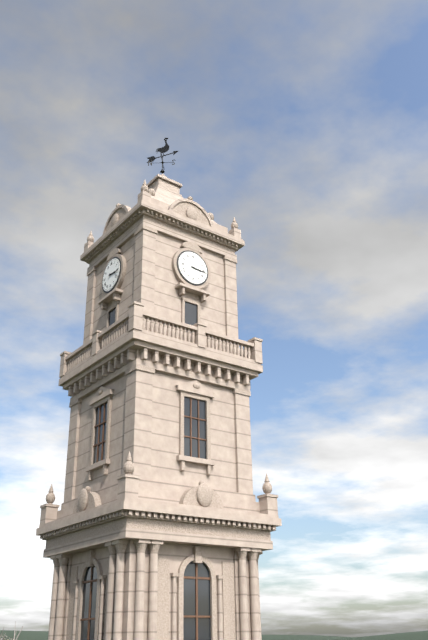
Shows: 3:16
